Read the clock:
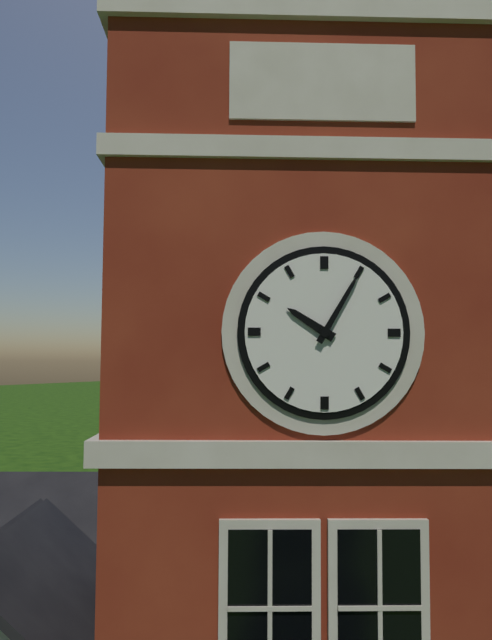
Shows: 10:05
